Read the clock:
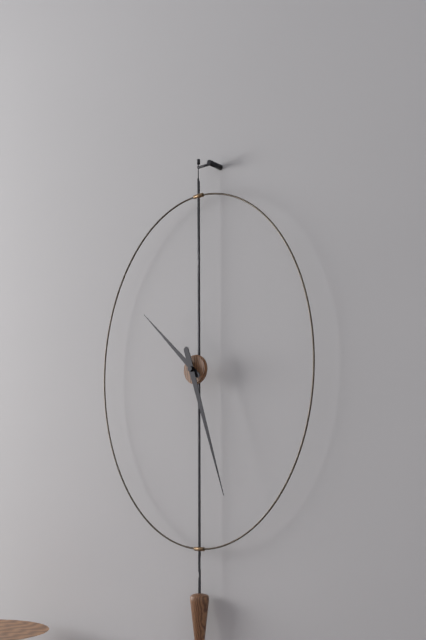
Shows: 10:27
